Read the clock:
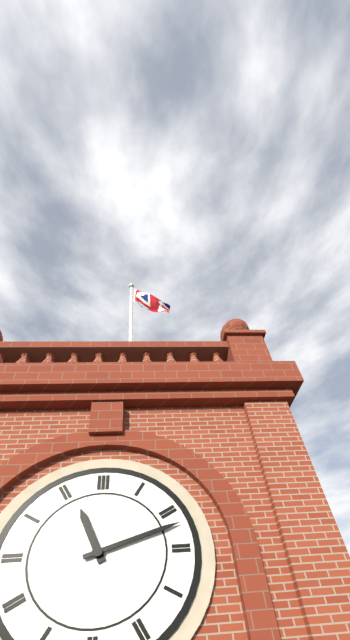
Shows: 11:12
